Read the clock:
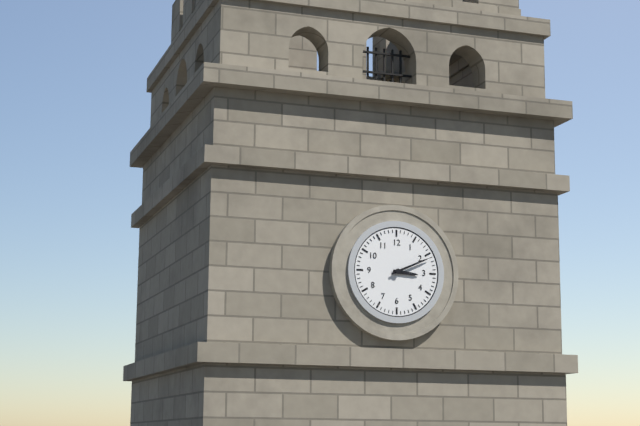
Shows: 3:11
